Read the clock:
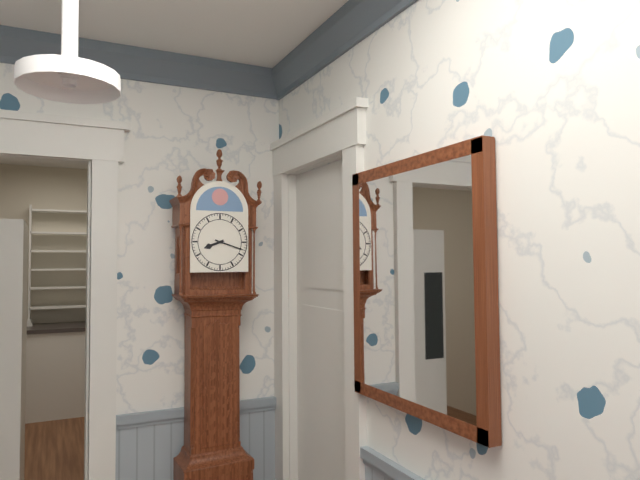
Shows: 8:18
